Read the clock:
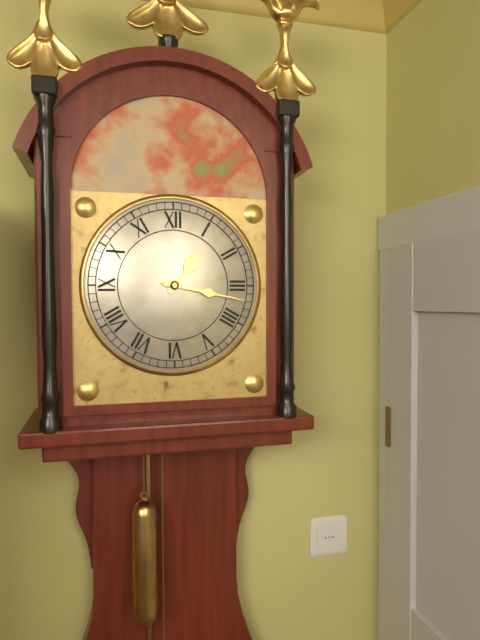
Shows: 1:17
